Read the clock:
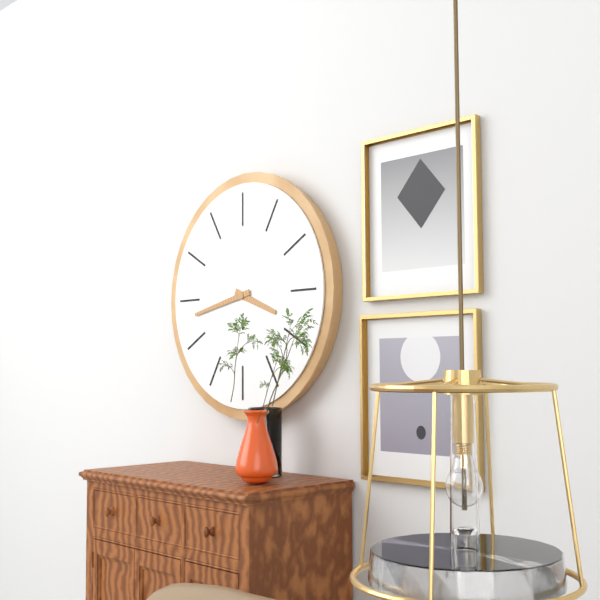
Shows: 3:43
